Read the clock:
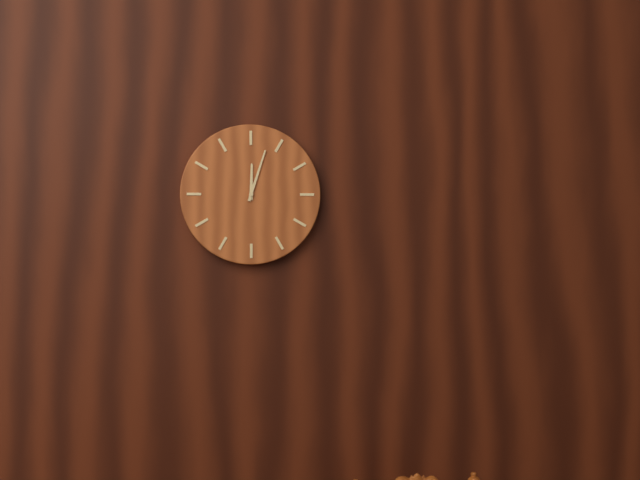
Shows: 12:03
